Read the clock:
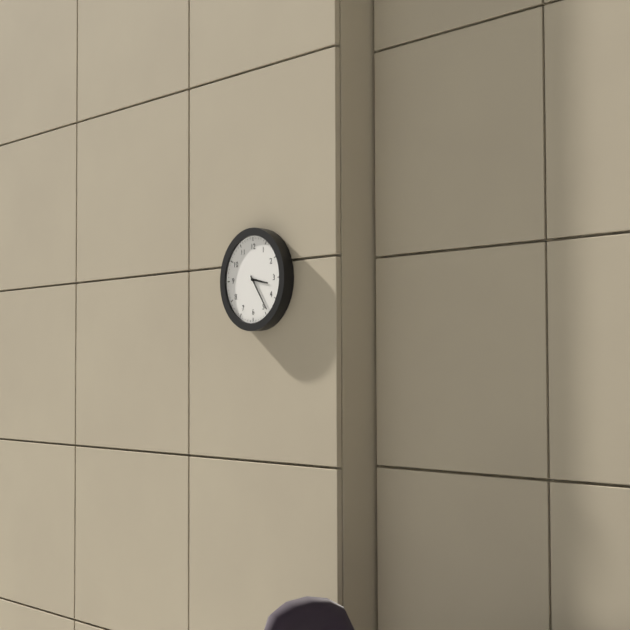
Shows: 3:24
